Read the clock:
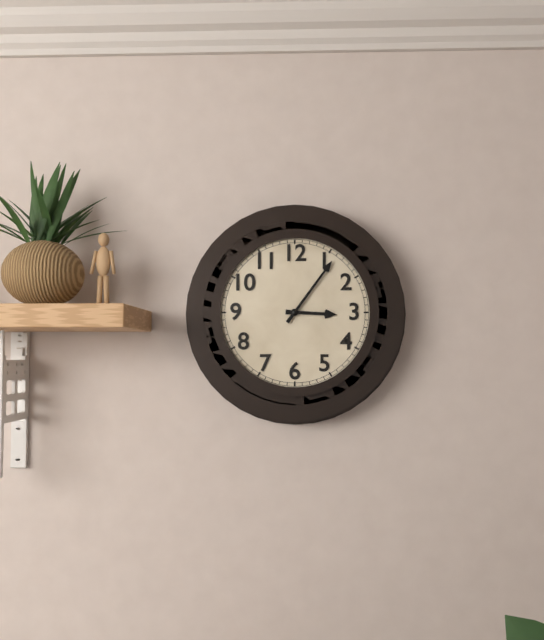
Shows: 3:06
